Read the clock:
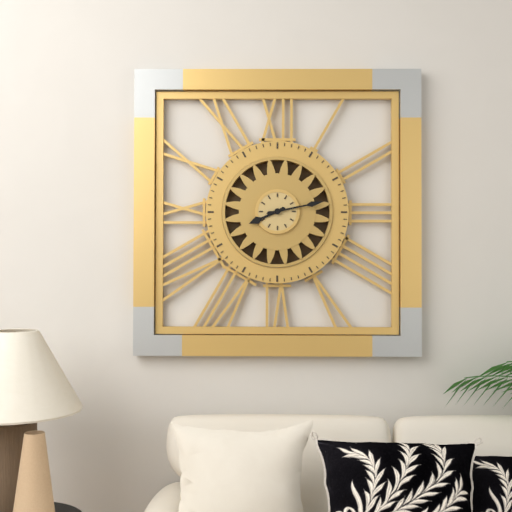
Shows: 8:13
